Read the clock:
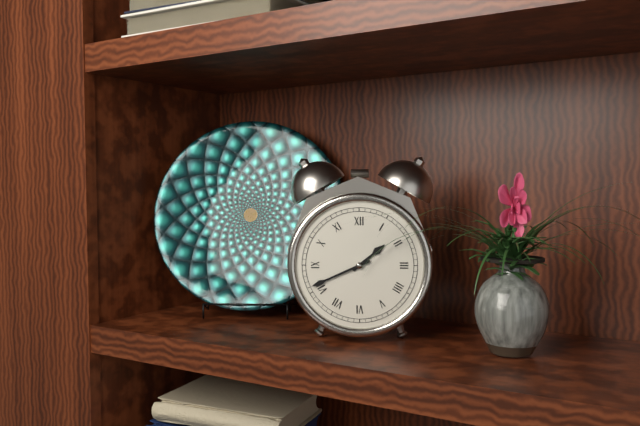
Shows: 1:41
